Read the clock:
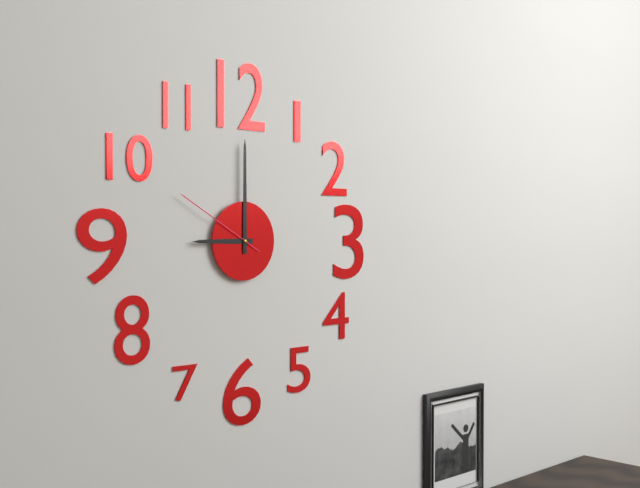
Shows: 9:00:50
